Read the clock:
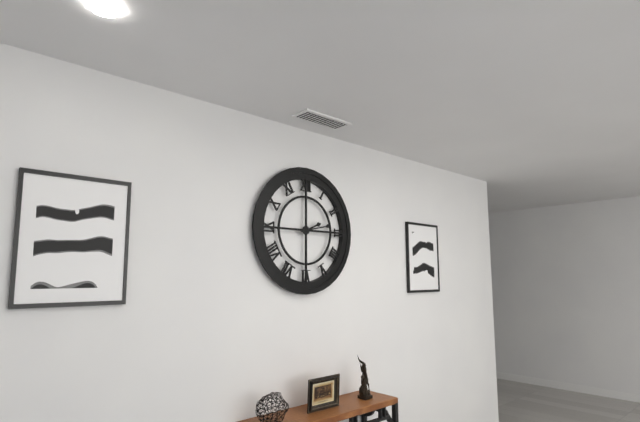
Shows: 2:13
